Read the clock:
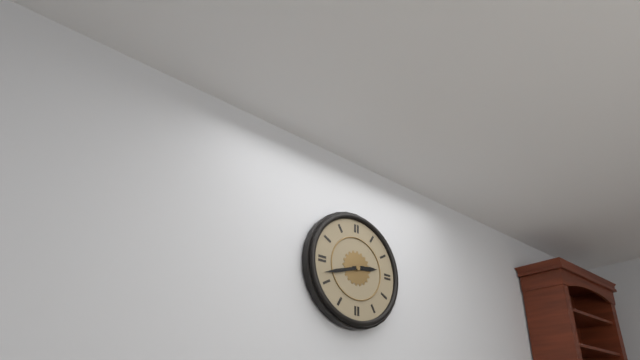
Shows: 2:42
